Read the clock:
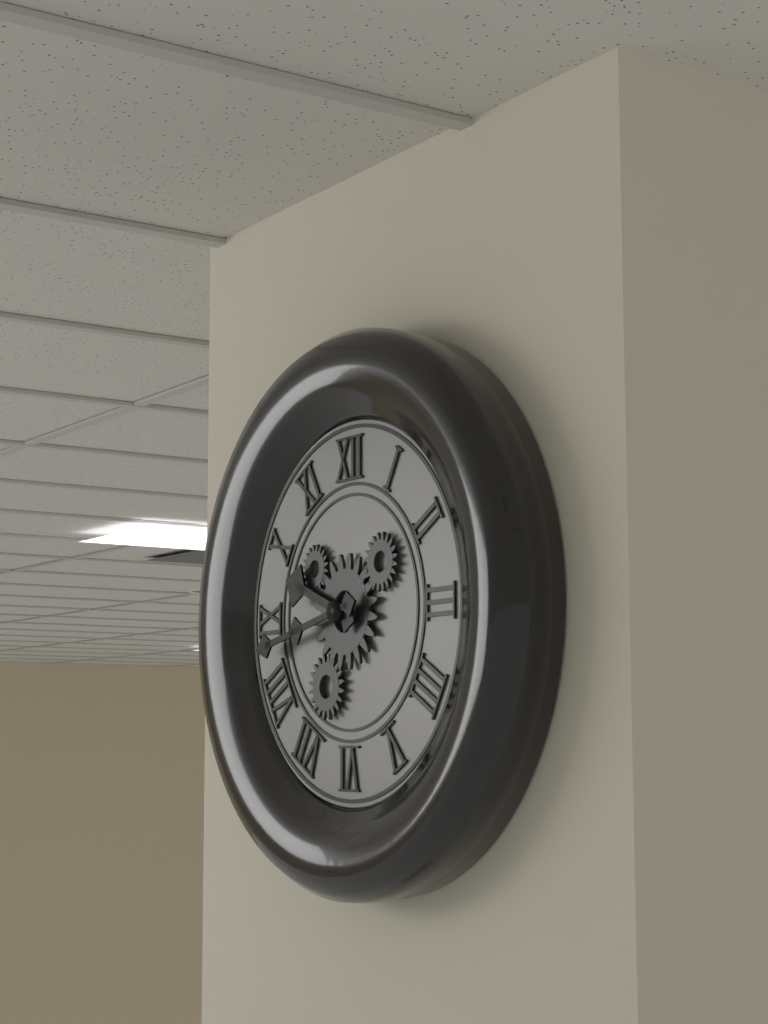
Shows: 9:43
